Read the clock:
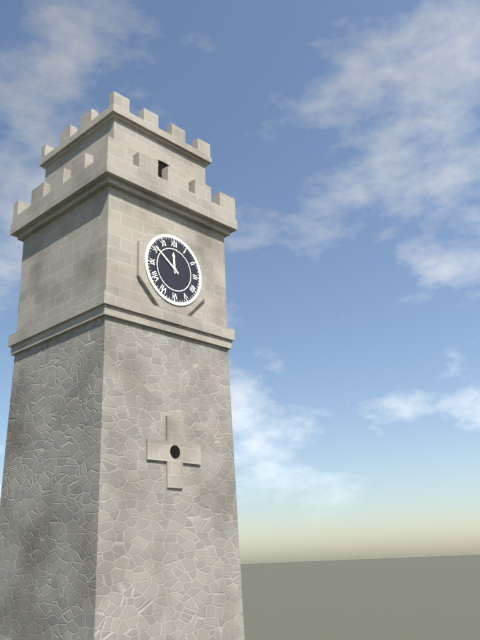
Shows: 11:51
